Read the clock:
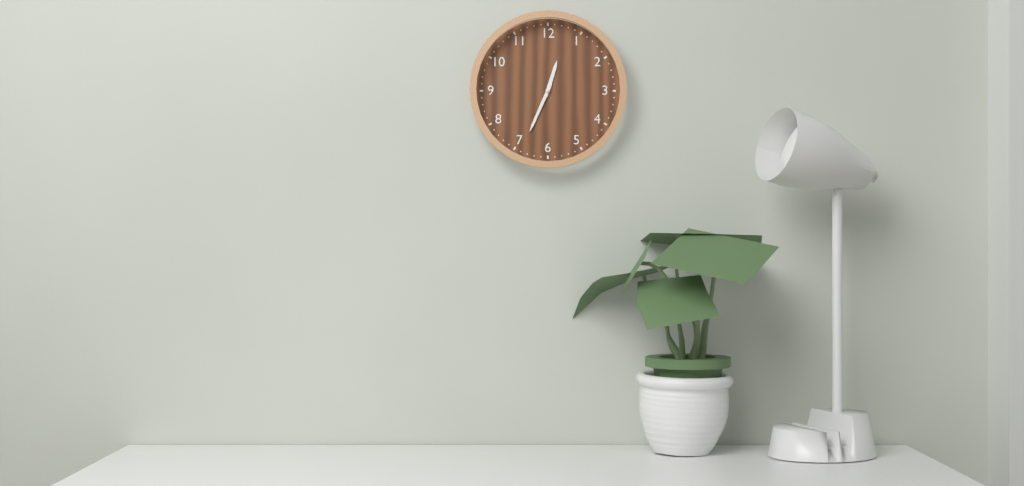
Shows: 12:34
